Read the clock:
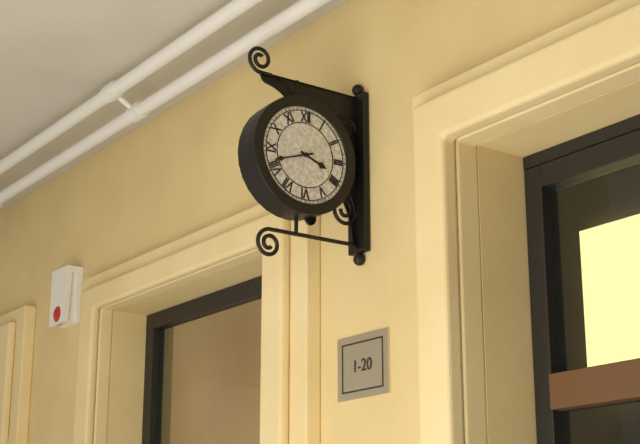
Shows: 3:42
